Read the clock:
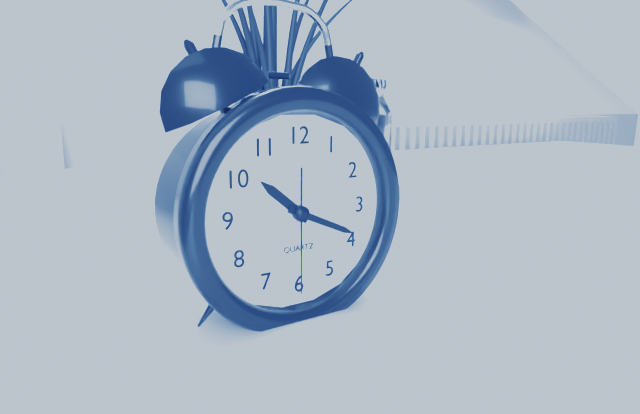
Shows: 10:19:30
